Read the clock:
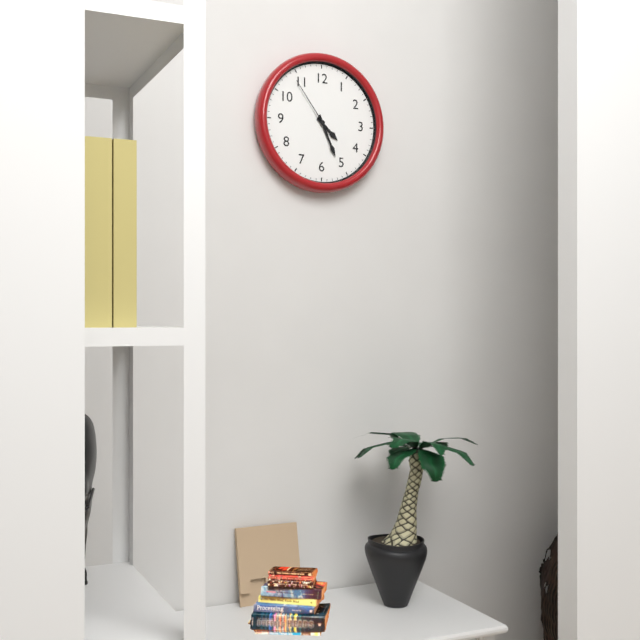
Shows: 4:26:54
